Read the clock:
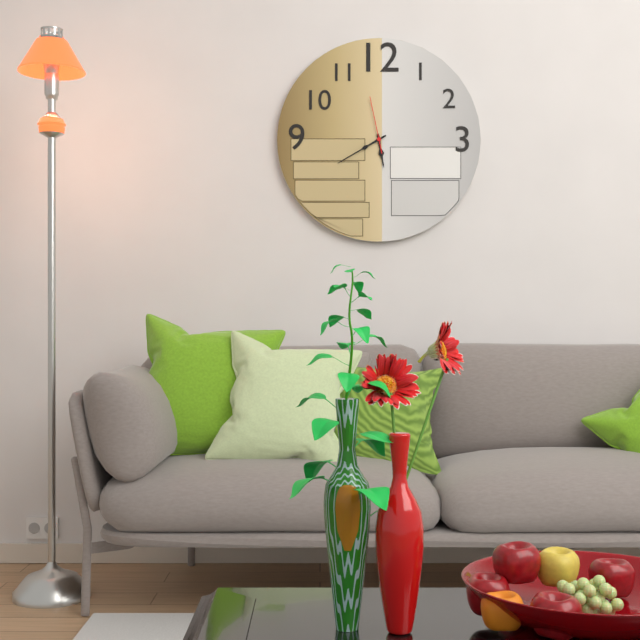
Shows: 5:40:58
